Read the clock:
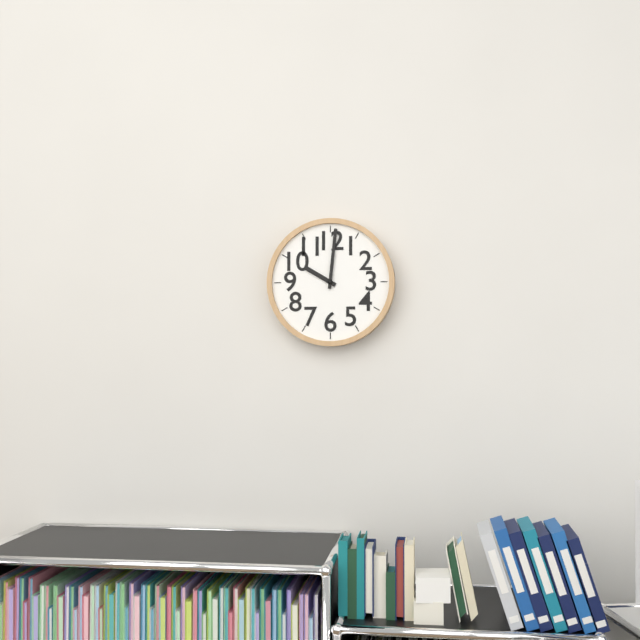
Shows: 10:01
